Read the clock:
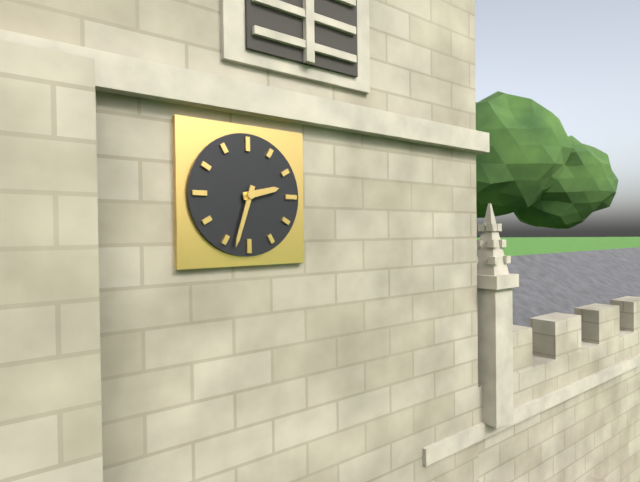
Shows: 2:33
